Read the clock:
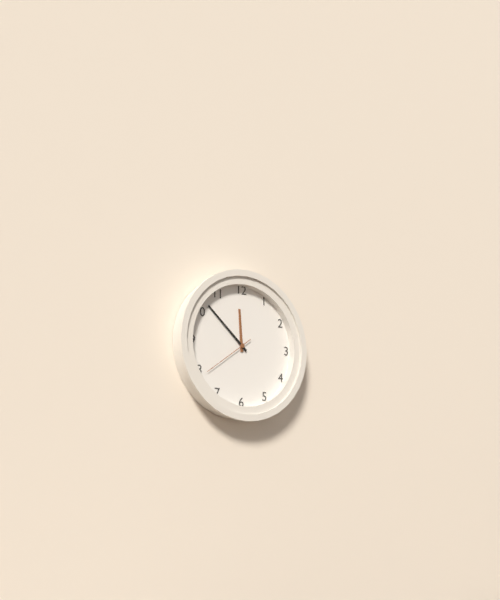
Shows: 11:52:39
